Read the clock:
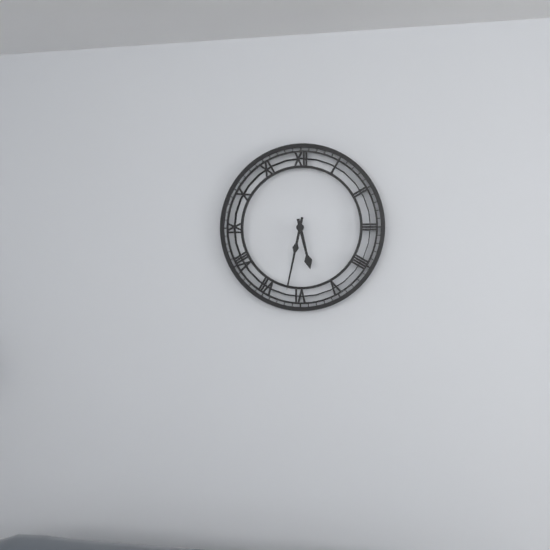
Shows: 5:32
